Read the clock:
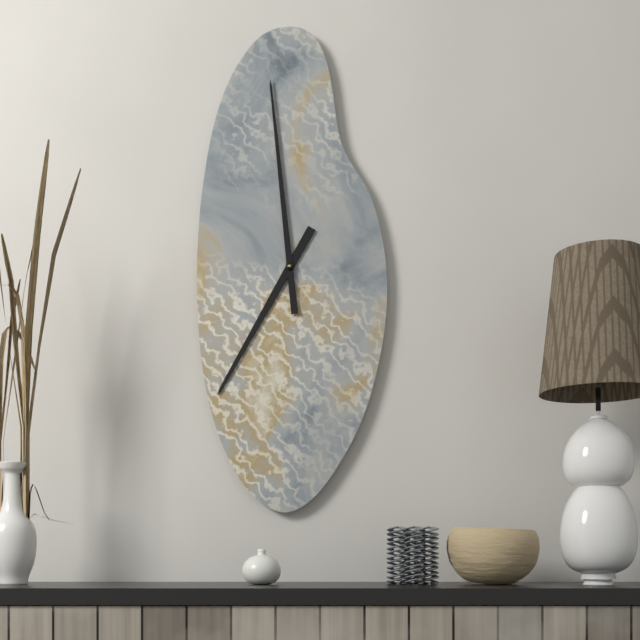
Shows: 6:59
